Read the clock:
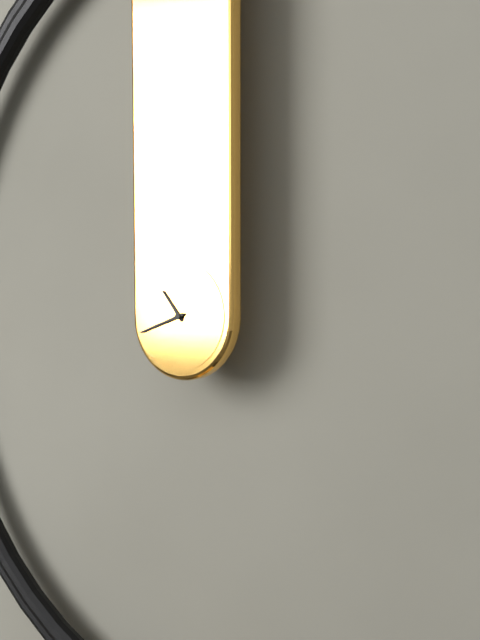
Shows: 10:42
